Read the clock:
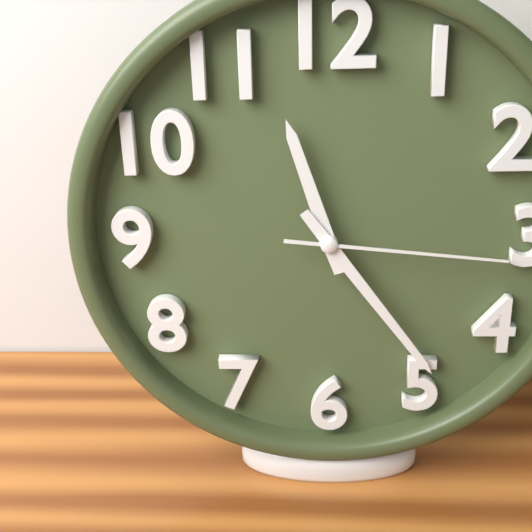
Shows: 11:24:16
